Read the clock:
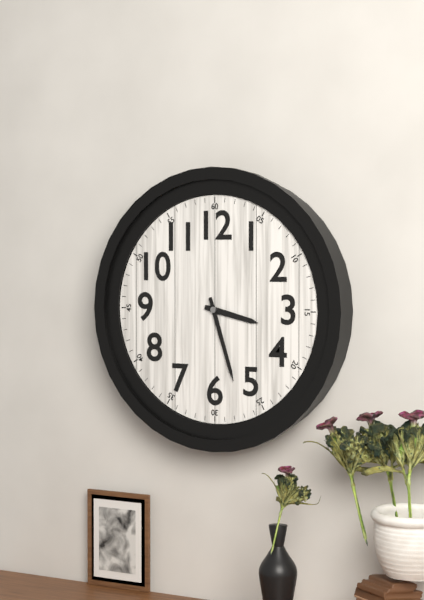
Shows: 3:27
